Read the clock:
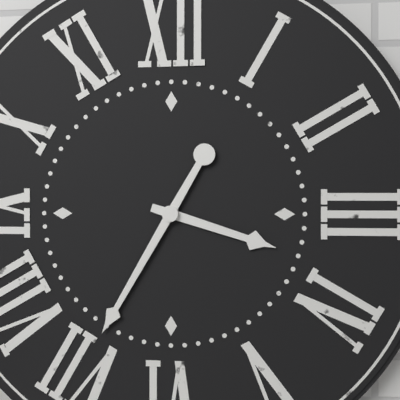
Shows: 3:35
